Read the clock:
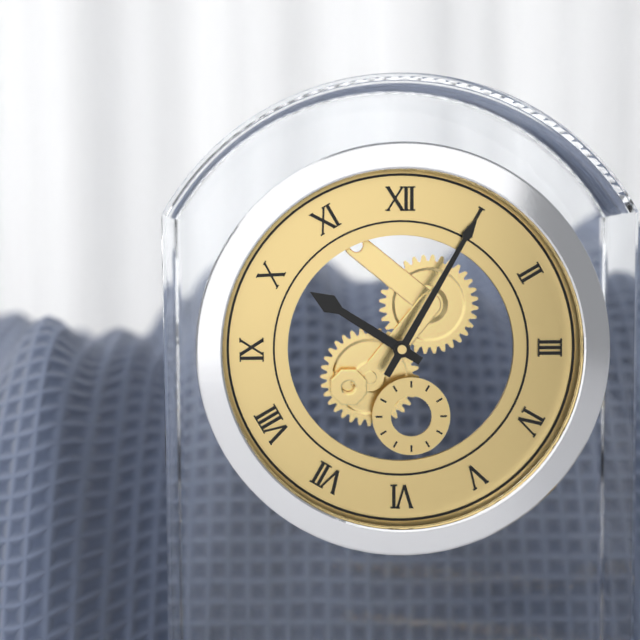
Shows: 10:05
